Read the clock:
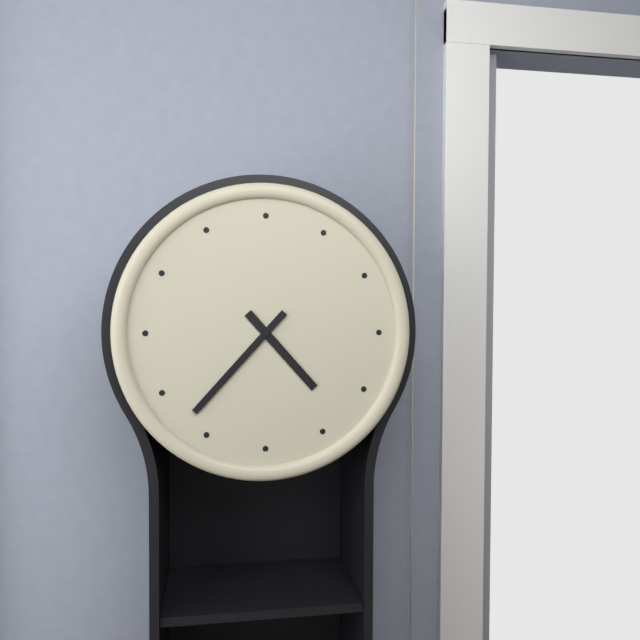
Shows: 4:37
